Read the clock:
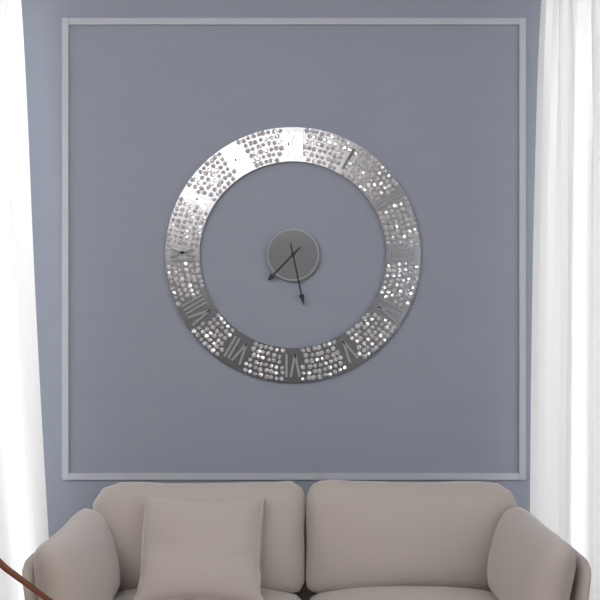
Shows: 7:28
